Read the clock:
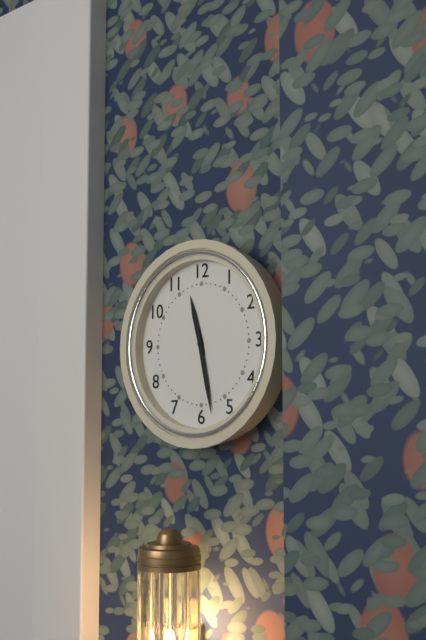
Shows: 11:28
